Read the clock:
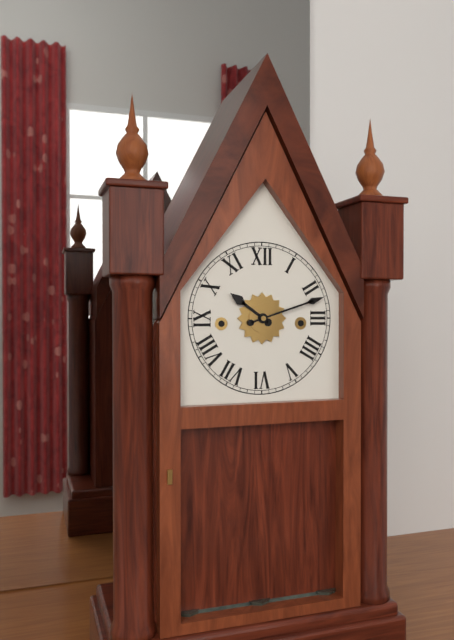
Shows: 10:12
